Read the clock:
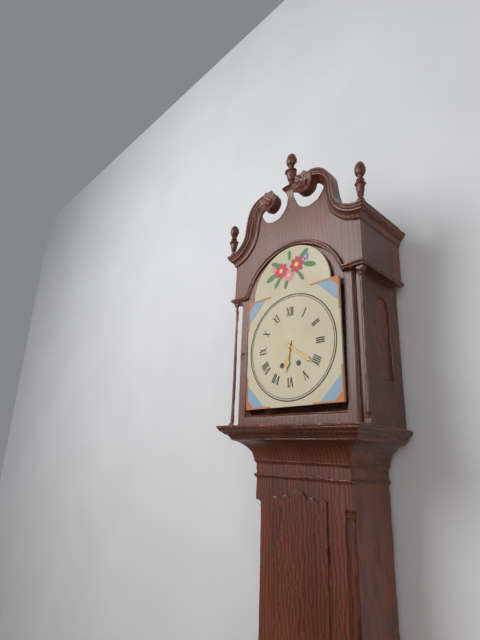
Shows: 6:21
